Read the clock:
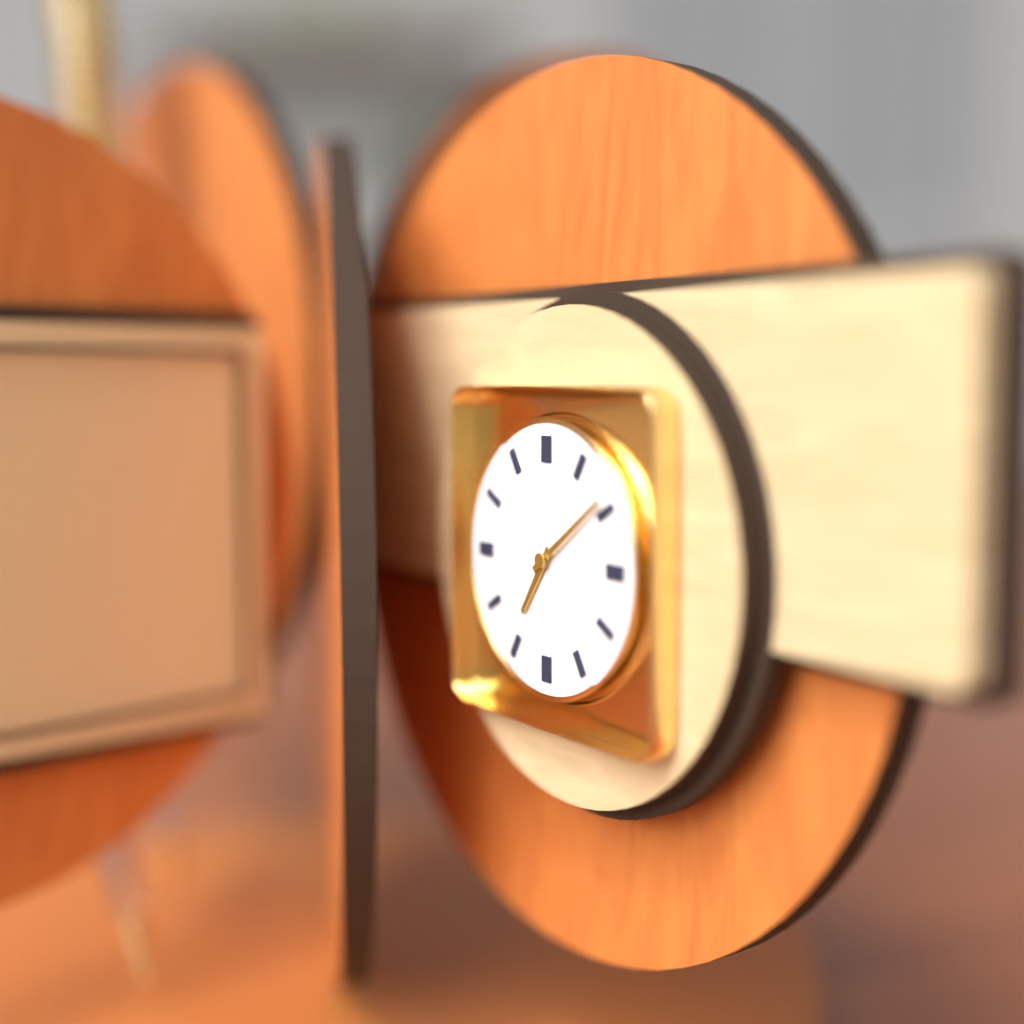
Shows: 7:09
